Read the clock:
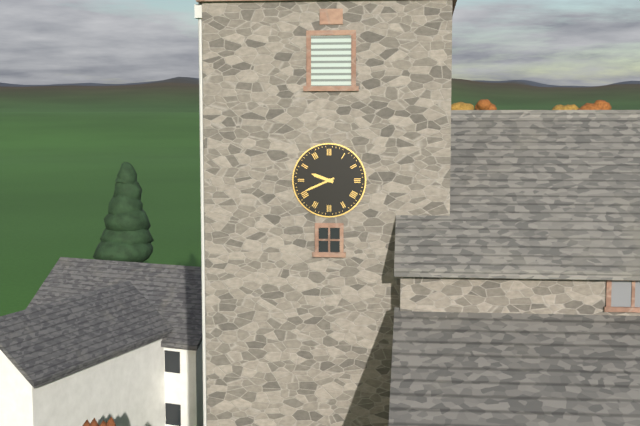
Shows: 9:41
